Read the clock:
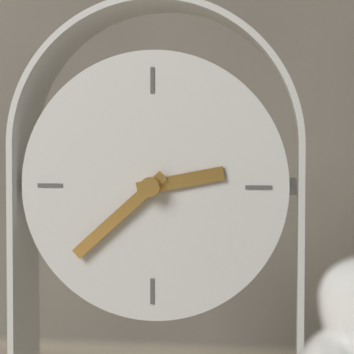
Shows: 2:38
